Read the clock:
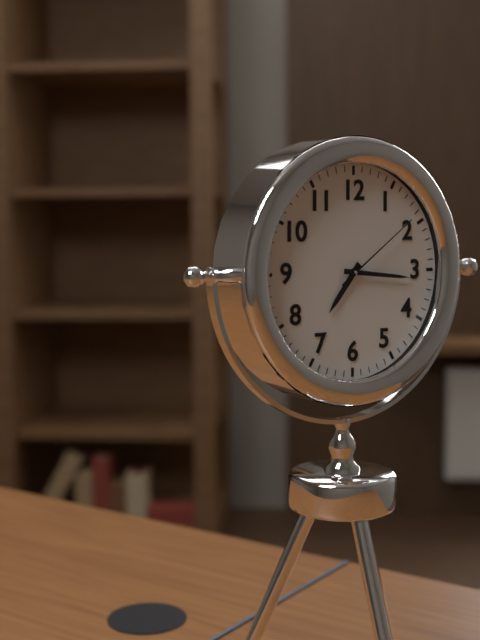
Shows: 7:16:09
